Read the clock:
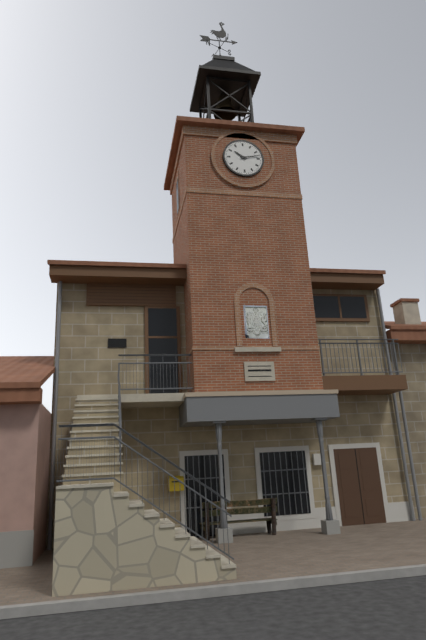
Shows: 10:13
